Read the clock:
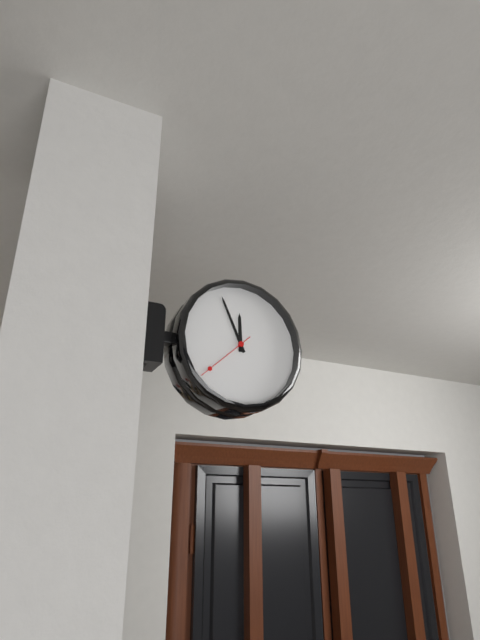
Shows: 11:56:38
